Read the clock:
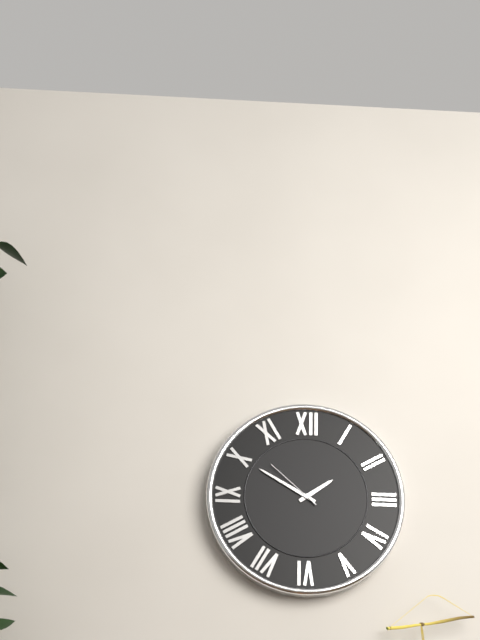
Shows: 1:50:52
